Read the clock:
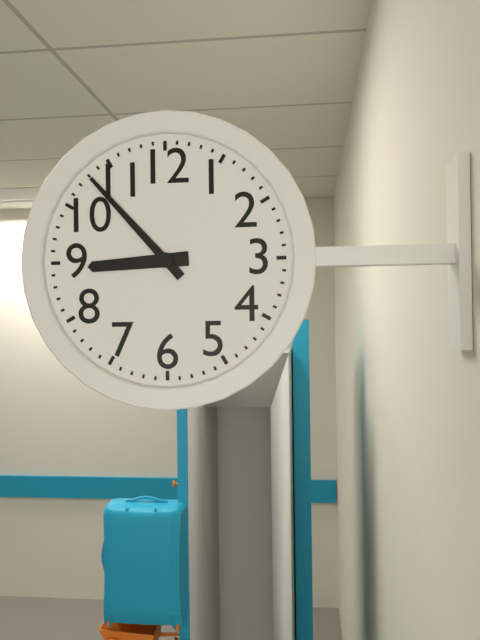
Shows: 8:53
